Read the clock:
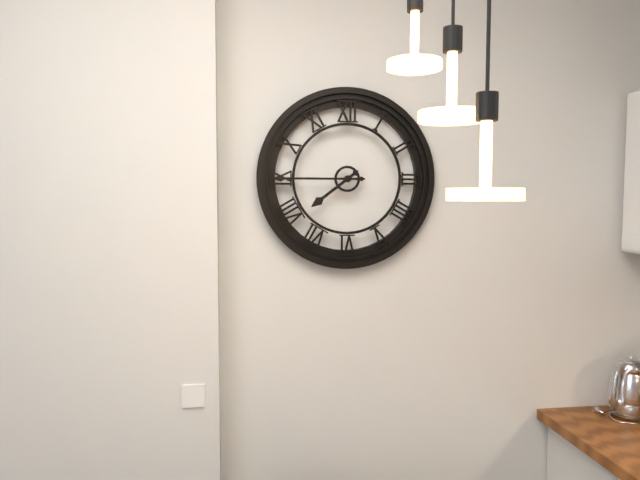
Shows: 7:45
